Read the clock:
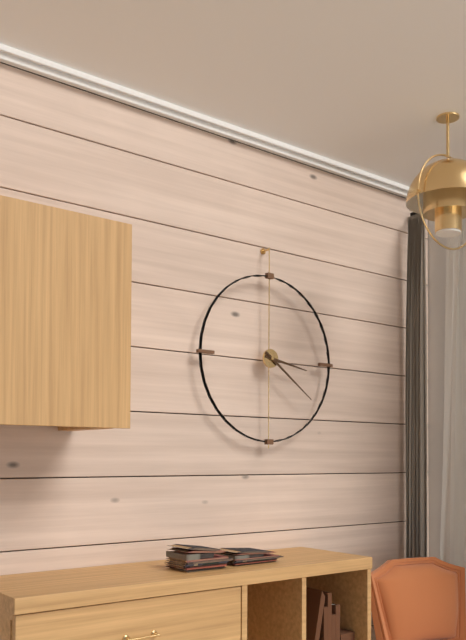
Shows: 3:21
